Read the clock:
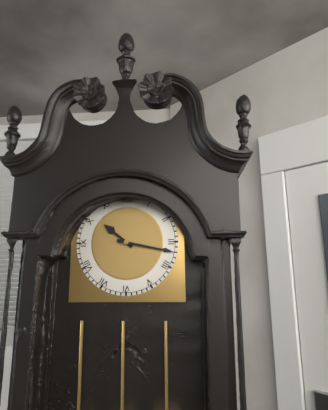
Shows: 10:17
